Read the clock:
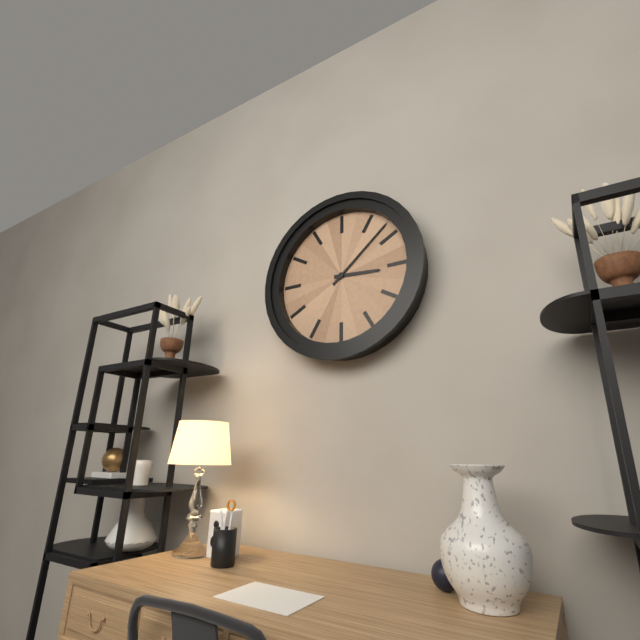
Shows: 3:08
